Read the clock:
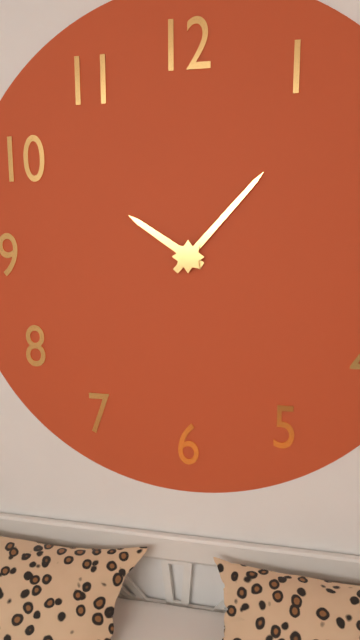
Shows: 10:07
